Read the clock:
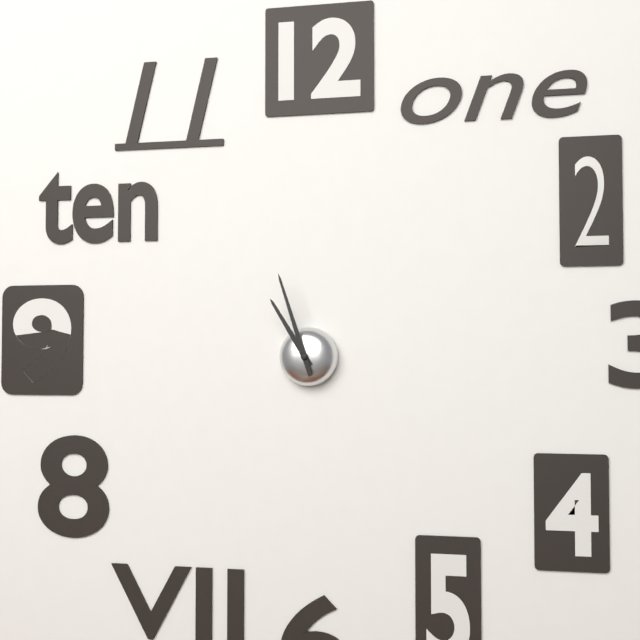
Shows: 10:57
